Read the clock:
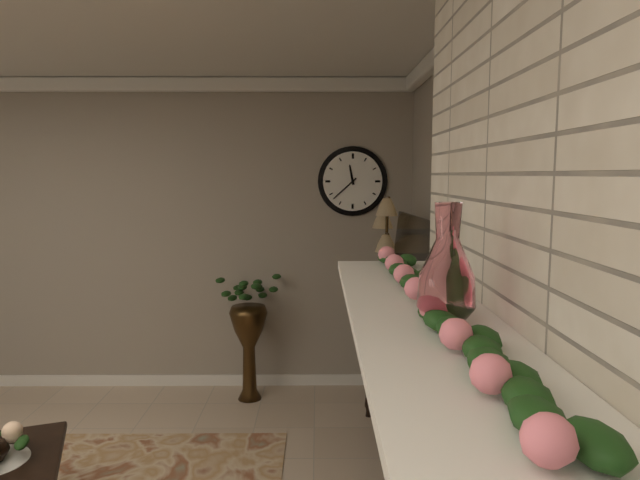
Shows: 11:38
